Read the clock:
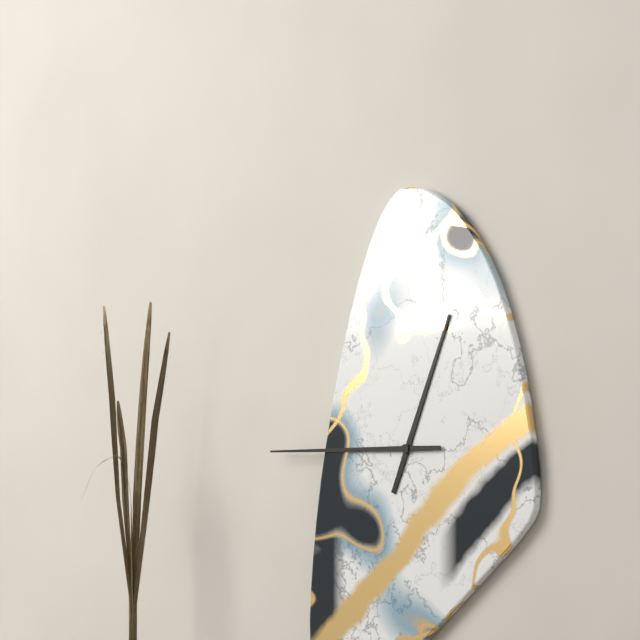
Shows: 12:45
